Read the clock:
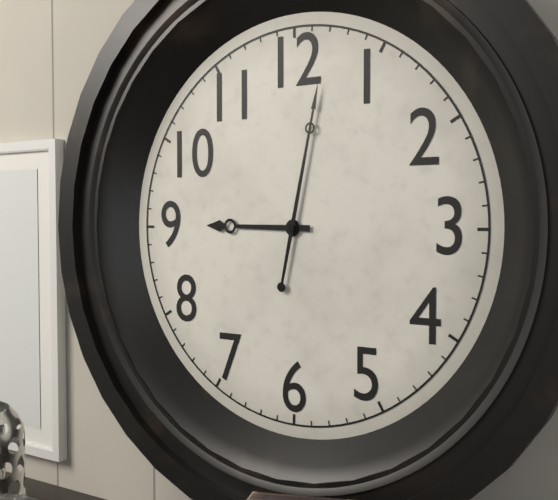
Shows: 9:02
